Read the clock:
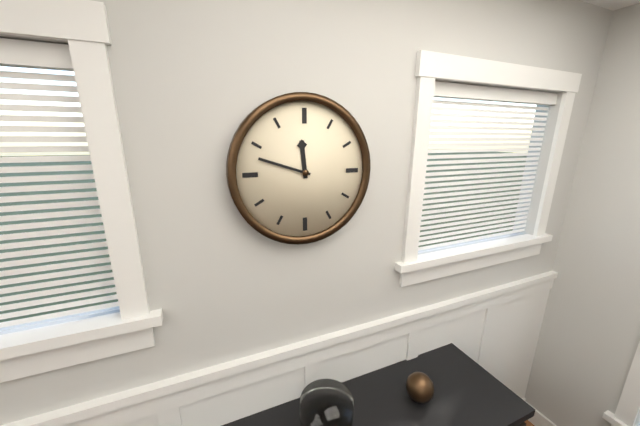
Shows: 11:48
